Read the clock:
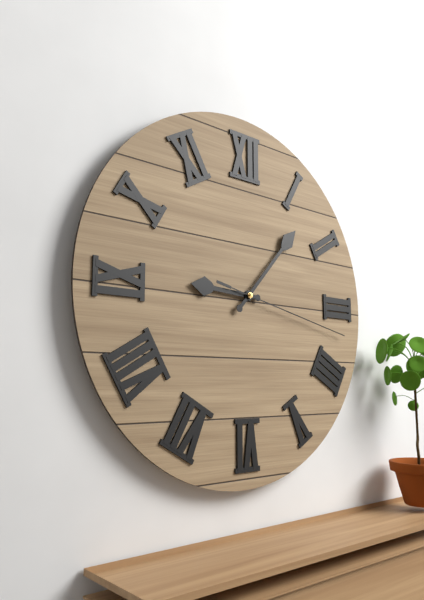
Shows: 9:07:17
